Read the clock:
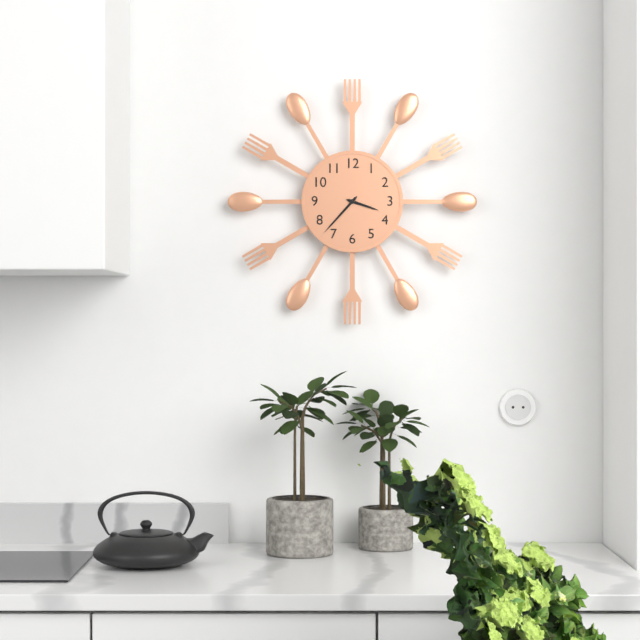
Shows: 3:37
